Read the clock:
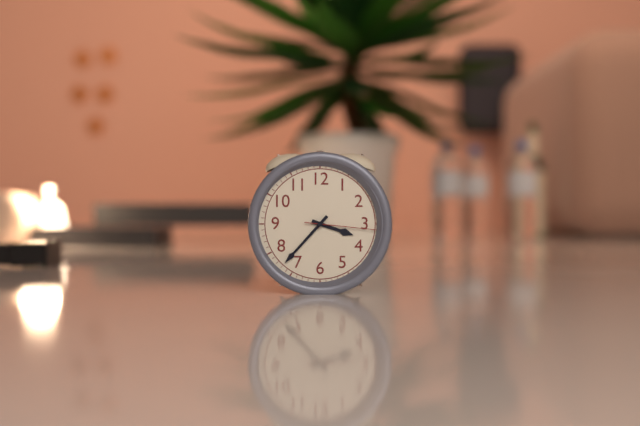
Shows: 3:37:16
